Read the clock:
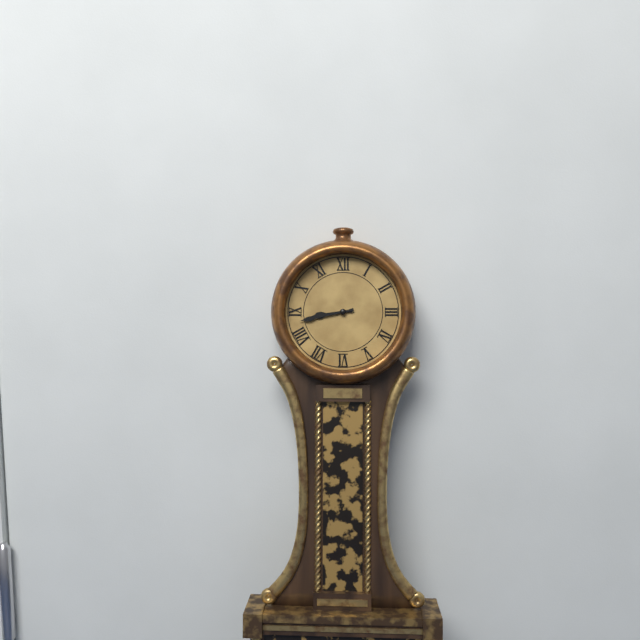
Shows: 8:43
